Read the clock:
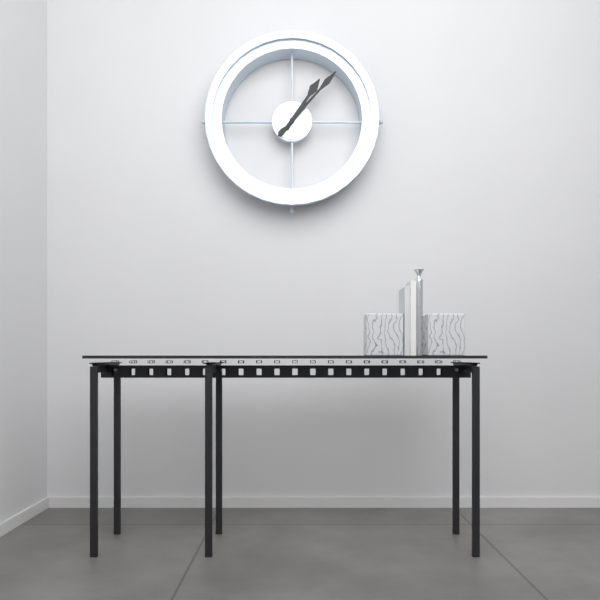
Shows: 1:07
